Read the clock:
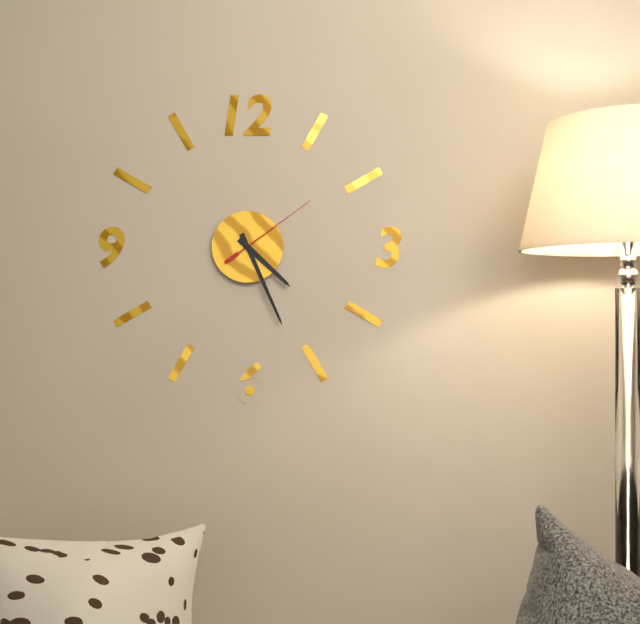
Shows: 4:26:09
